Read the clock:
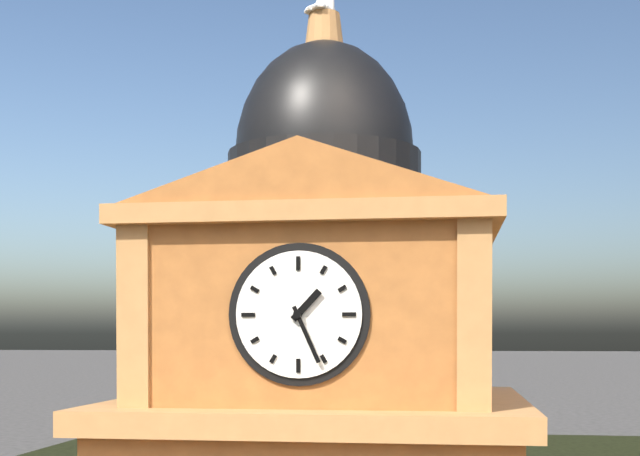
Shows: 1:26
